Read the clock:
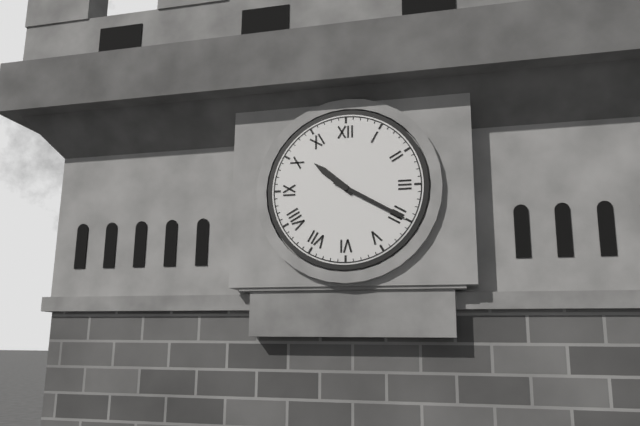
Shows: 10:20
